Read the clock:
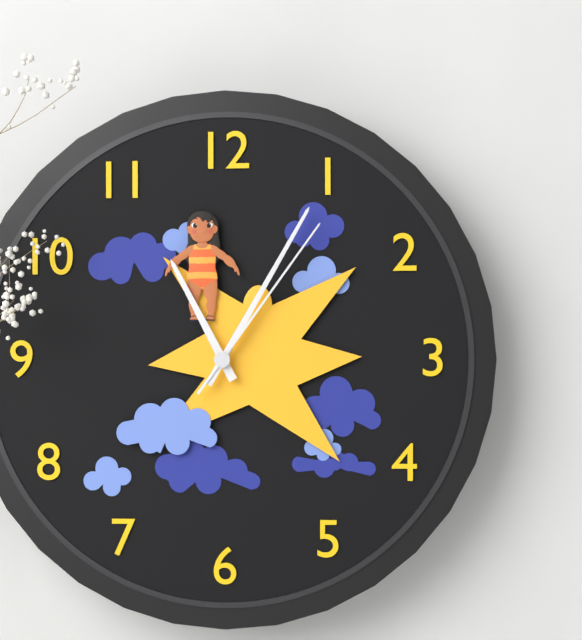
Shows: 11:05:06
